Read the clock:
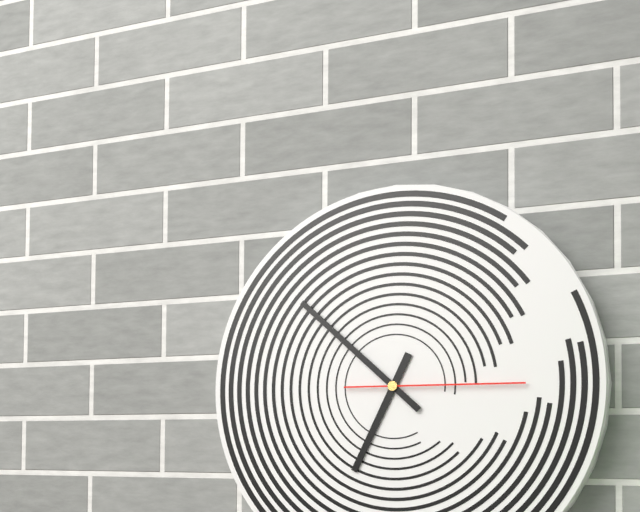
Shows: 6:52:15
